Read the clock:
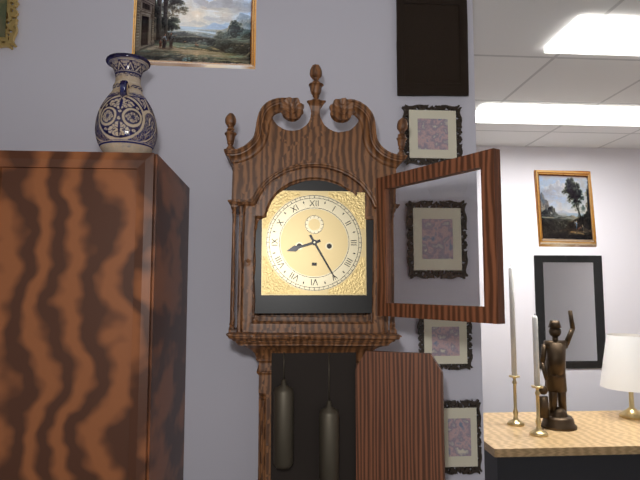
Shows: 8:25
